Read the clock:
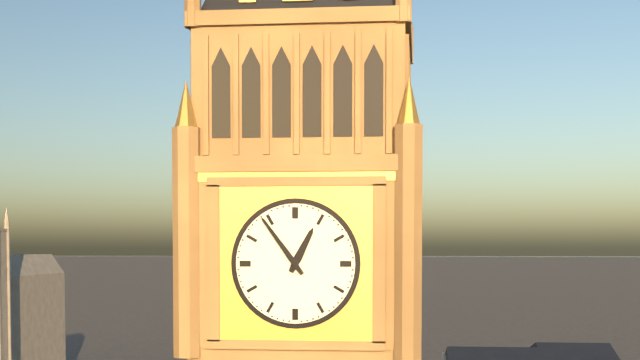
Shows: 12:54
